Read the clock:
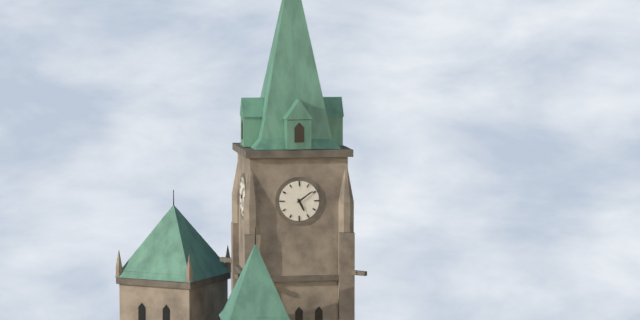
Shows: 5:09
